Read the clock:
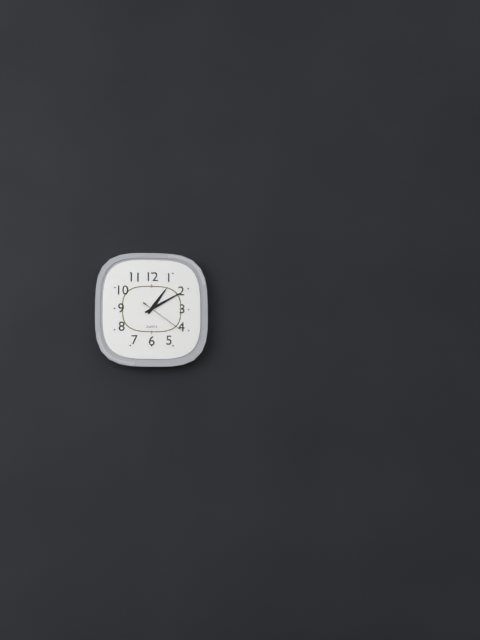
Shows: 1:10
